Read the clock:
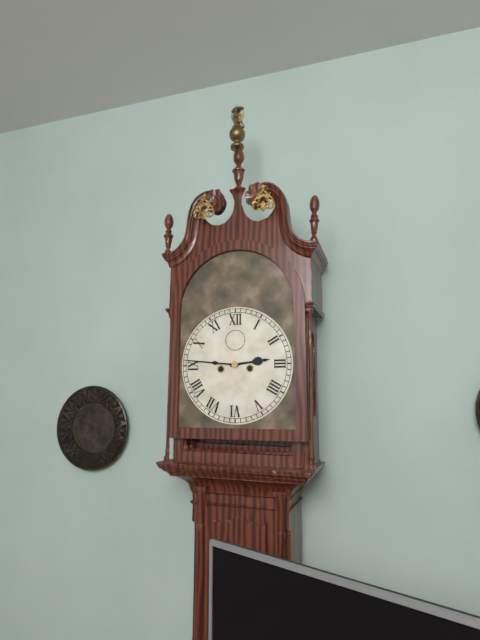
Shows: 2:46
